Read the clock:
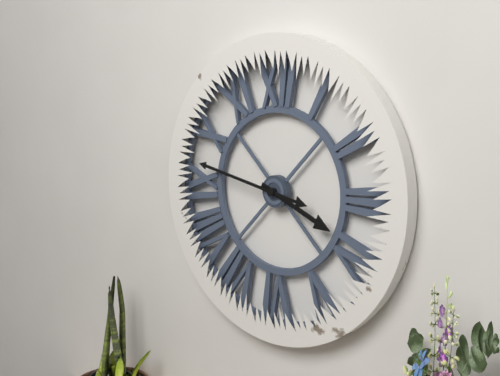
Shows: 3:47
